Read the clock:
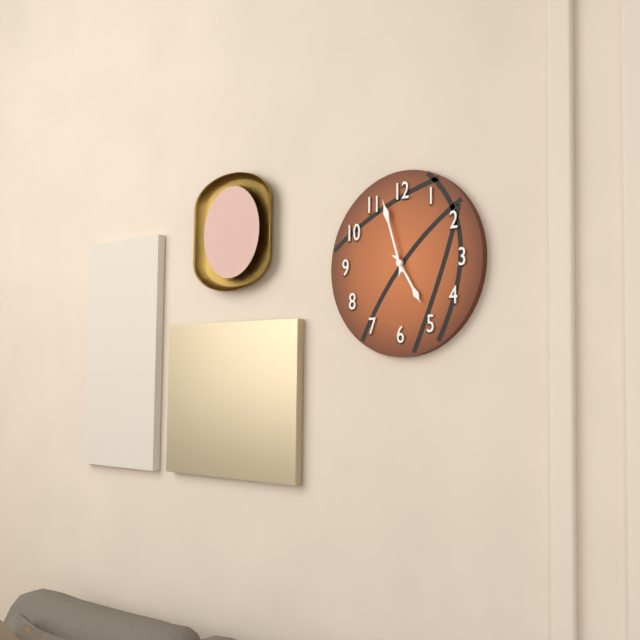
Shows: 4:57
